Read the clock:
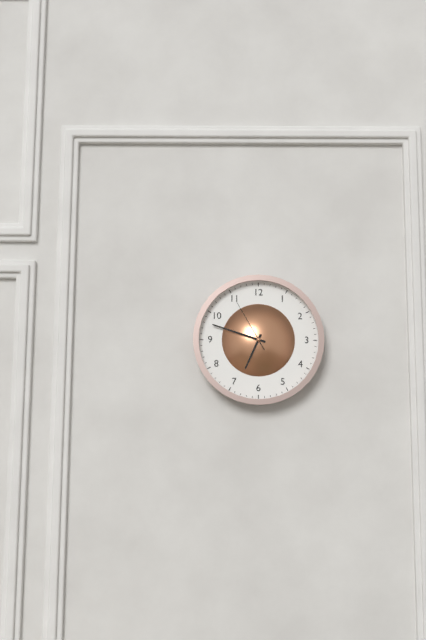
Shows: 6:48:55
